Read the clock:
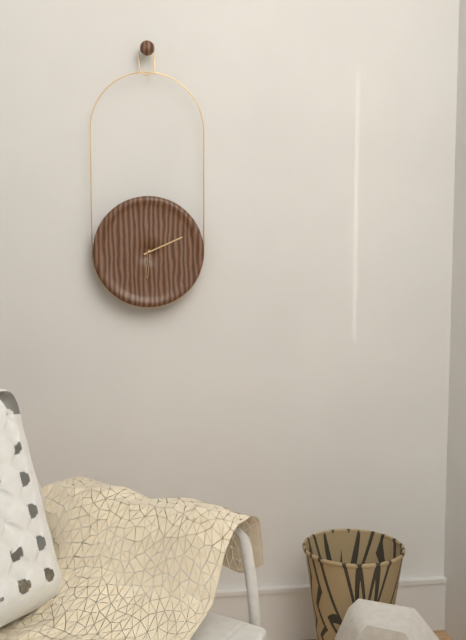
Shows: 6:11
